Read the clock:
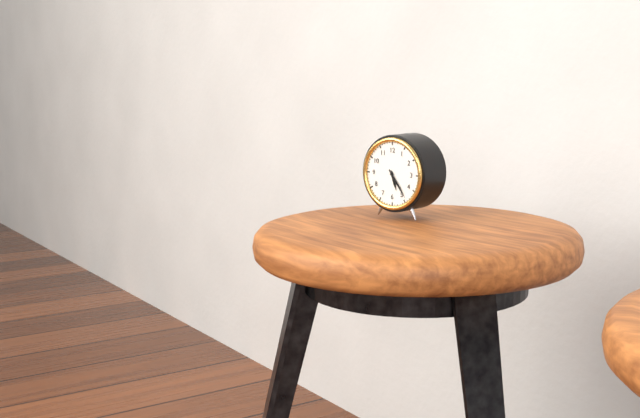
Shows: 5:24
